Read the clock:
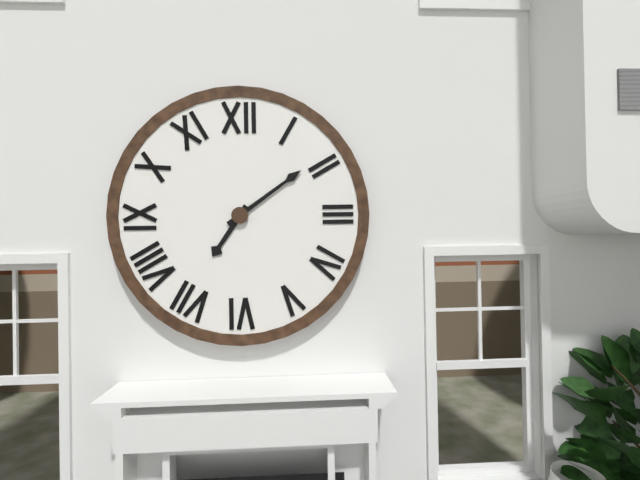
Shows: 7:09
